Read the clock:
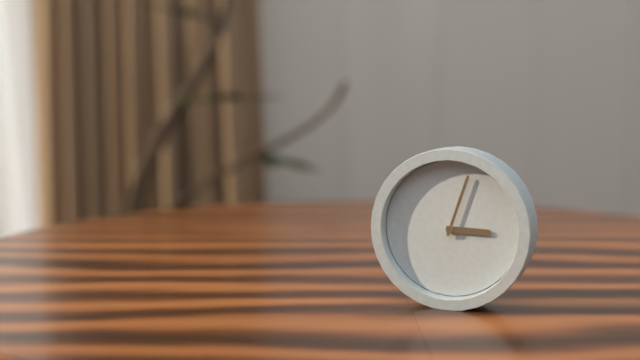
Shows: 3:03
